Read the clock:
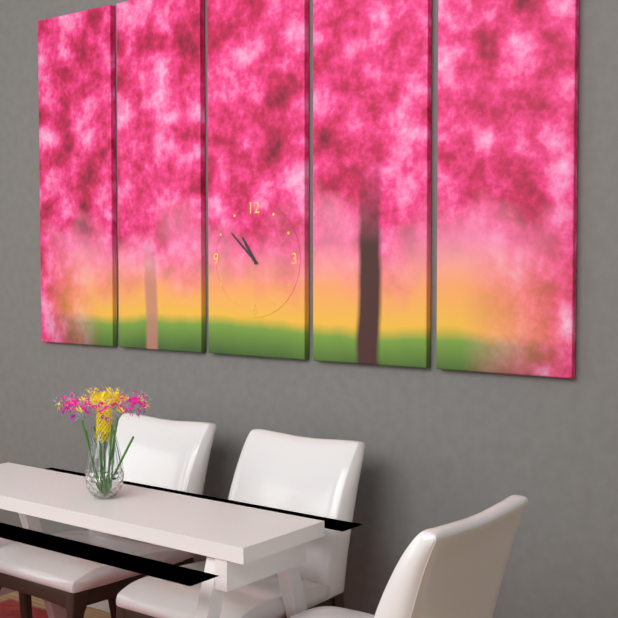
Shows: 10:52
